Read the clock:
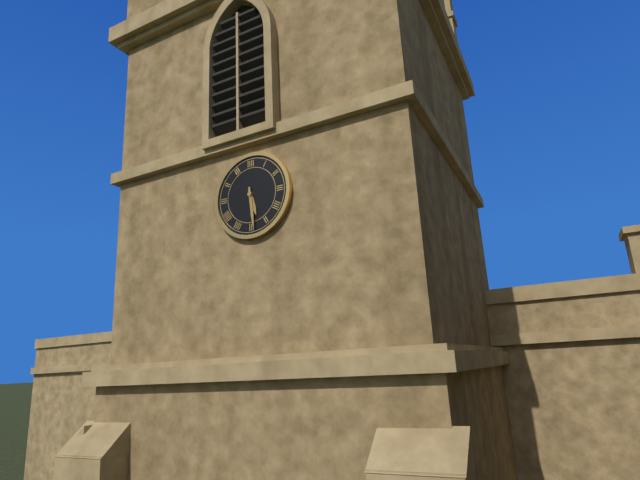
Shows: 5:29
